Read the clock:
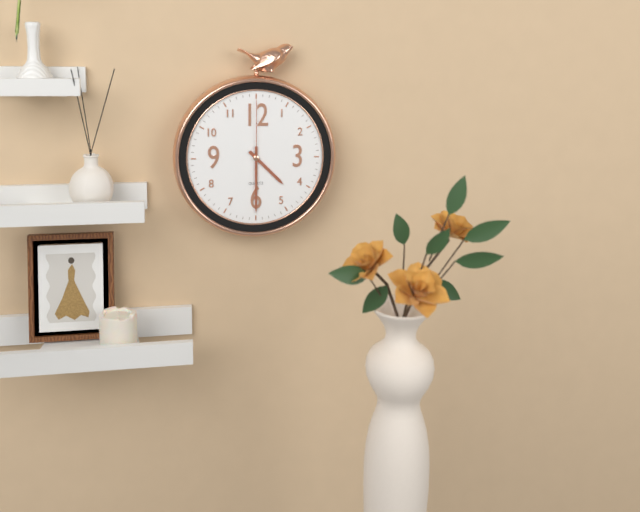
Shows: 4:30:00
